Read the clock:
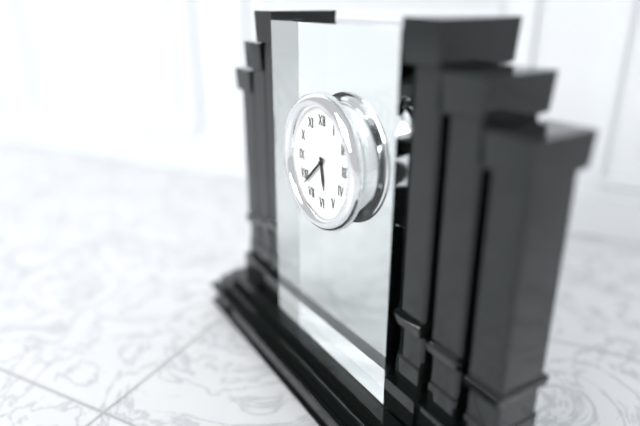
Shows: 5:38
